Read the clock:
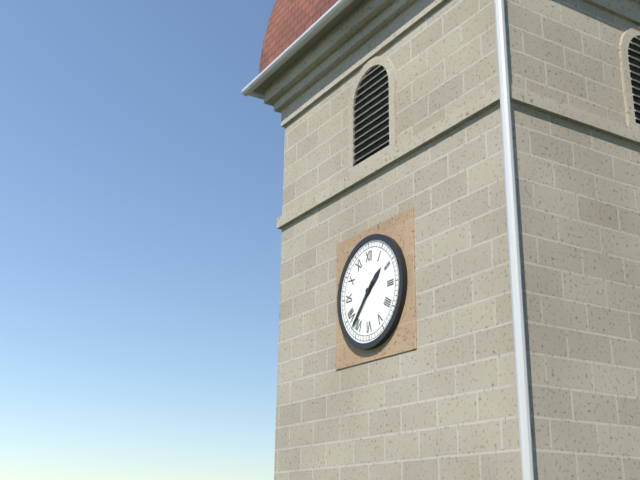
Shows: 1:37
